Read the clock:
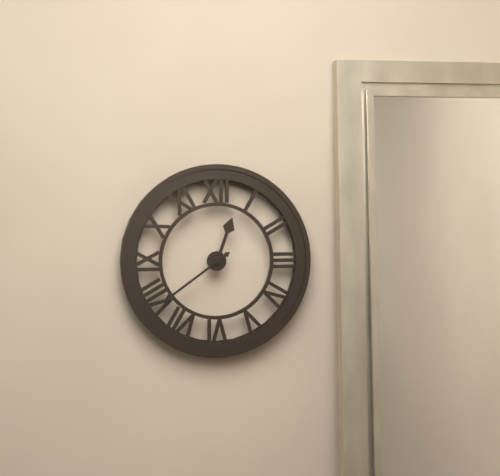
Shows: 12:39
